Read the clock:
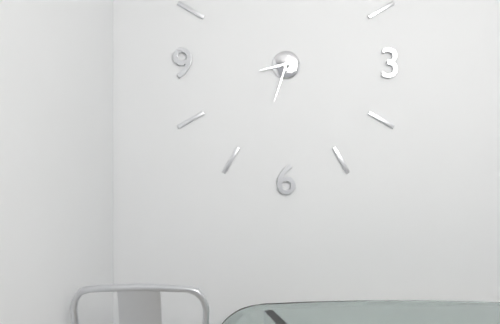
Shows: 8:33
